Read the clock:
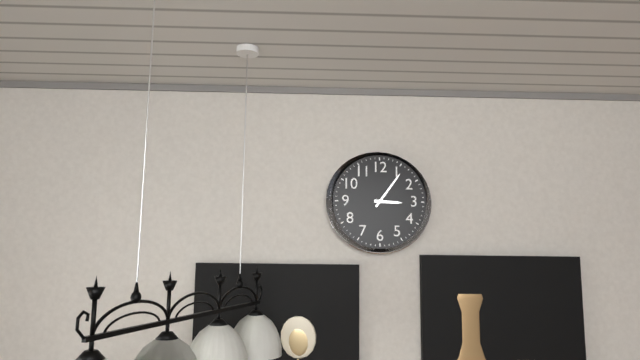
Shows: 3:06
